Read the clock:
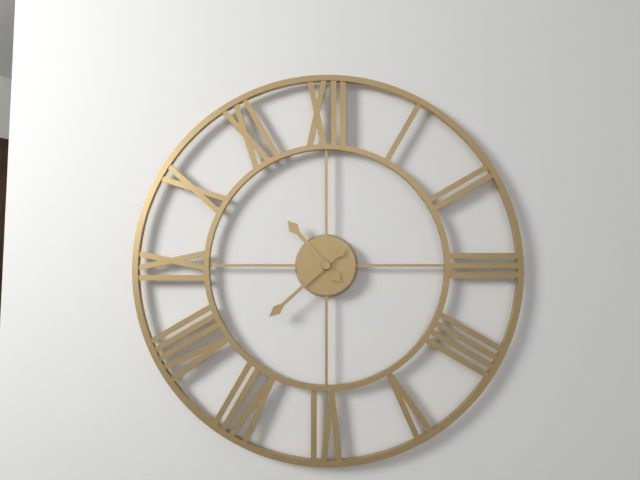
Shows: 10:38
